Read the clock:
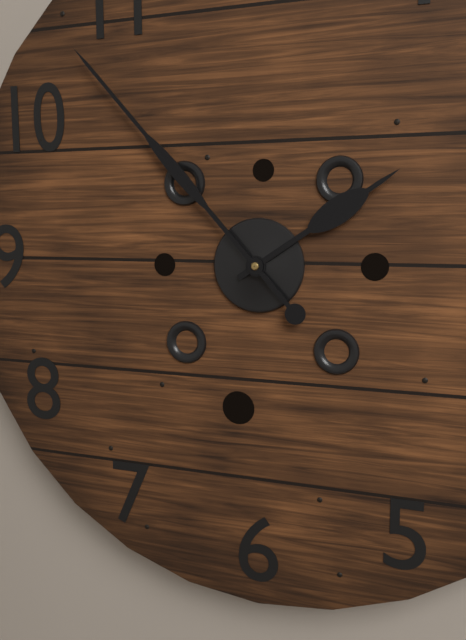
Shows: 1:53
